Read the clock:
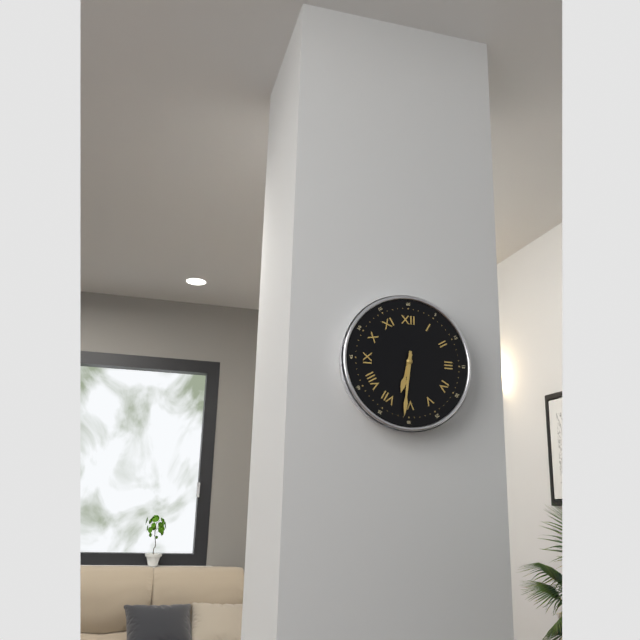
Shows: 6:31
